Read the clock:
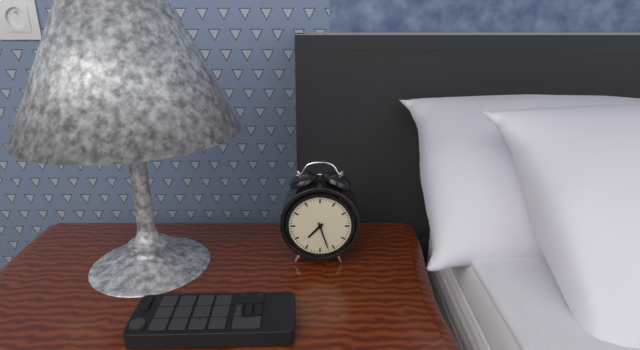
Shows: 7:27
